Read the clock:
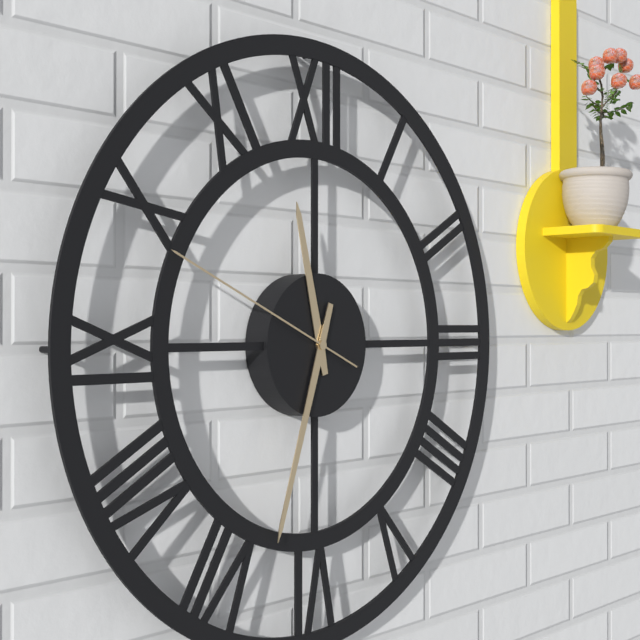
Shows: 11:33:49
